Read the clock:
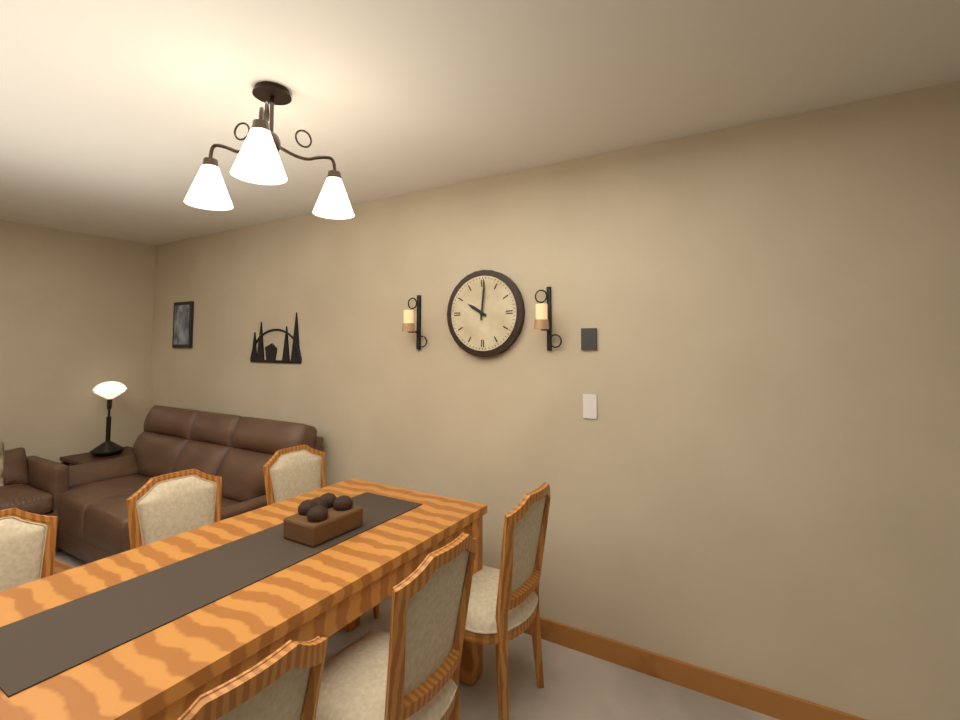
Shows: 10:01
